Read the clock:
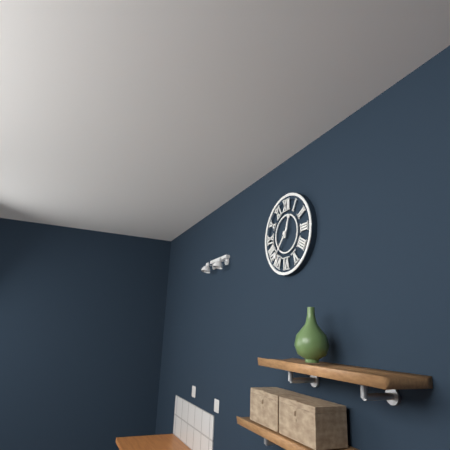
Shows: 12:37
